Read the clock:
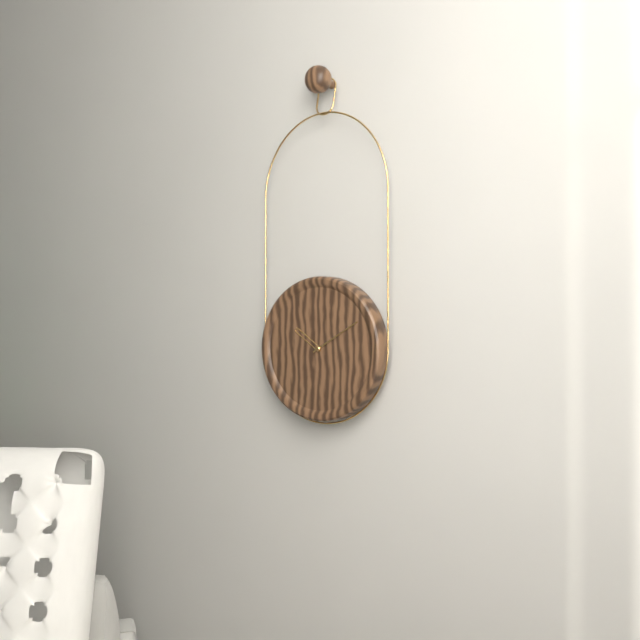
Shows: 10:10
